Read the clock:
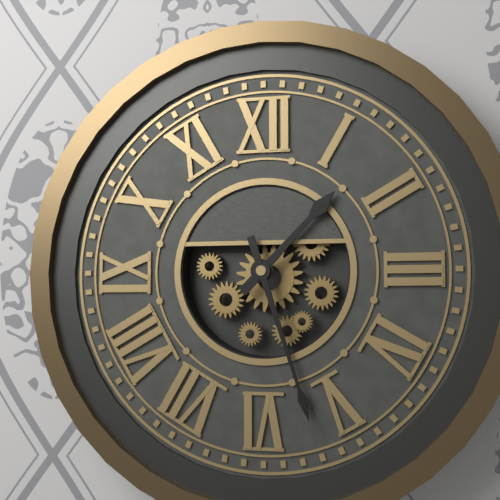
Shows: 1:27
